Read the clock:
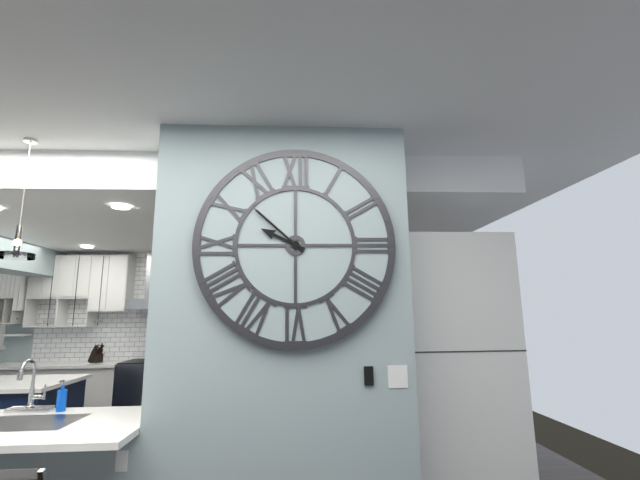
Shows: 9:52
